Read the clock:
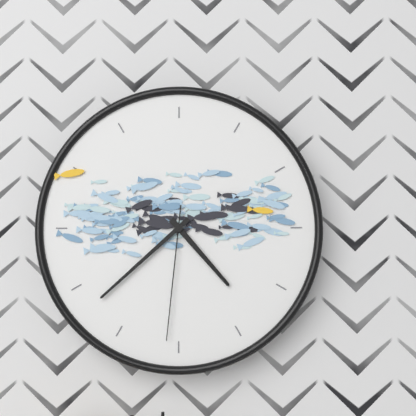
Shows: 4:38:31
